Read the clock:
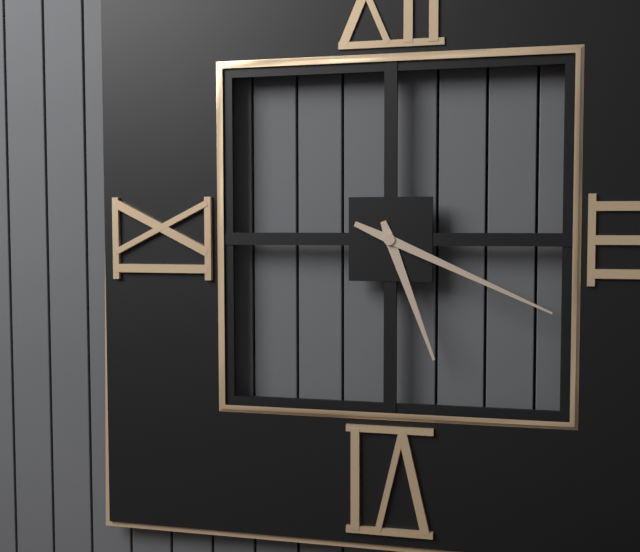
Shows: 5:19
